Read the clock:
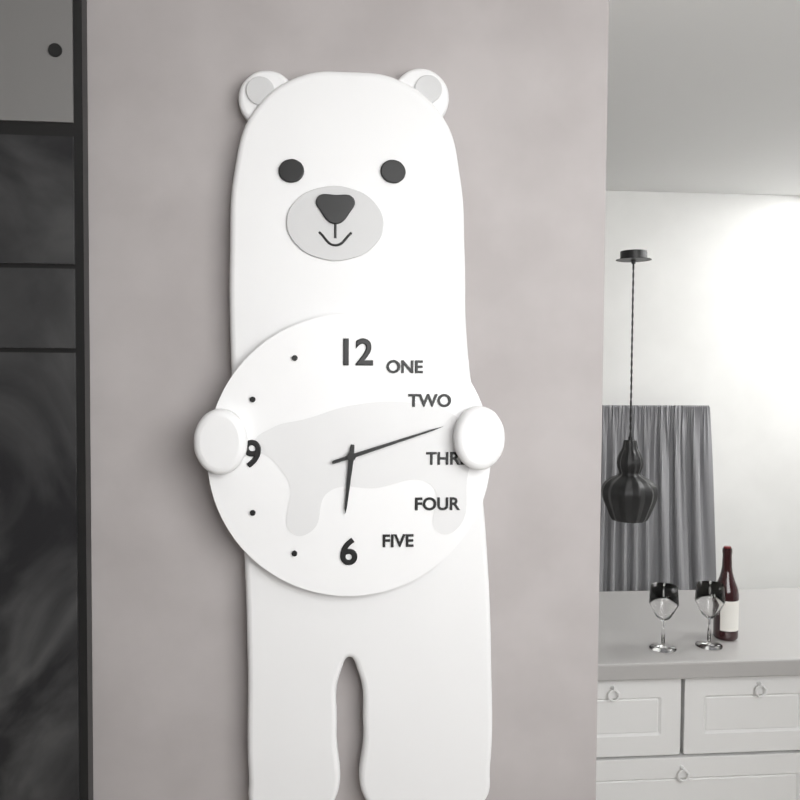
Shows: 6:12
